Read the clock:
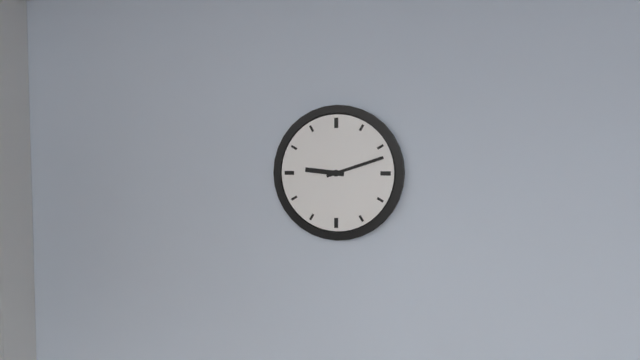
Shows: 9:12
